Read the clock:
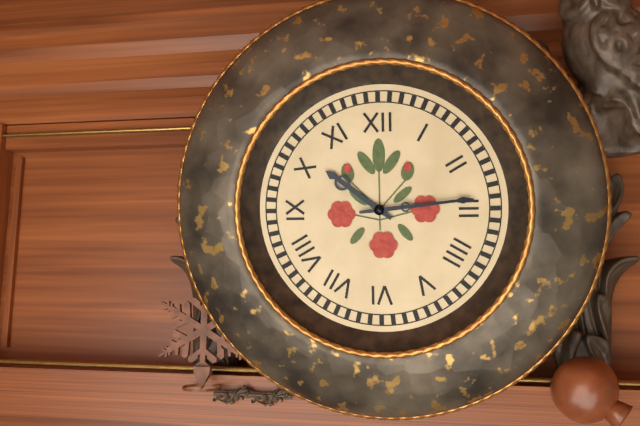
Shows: 10:14
